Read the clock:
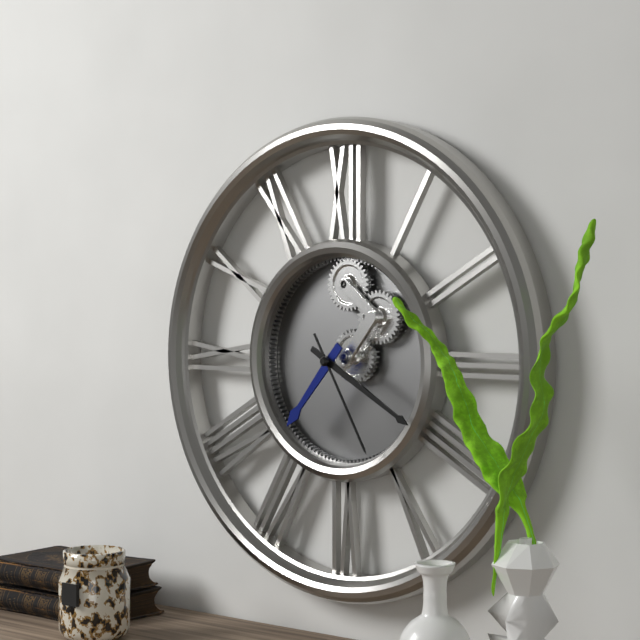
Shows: 7:20:25
